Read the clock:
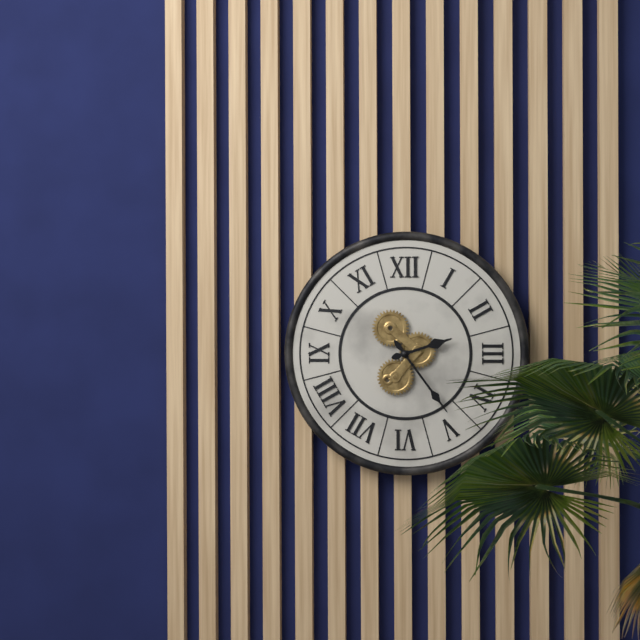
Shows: 2:24
